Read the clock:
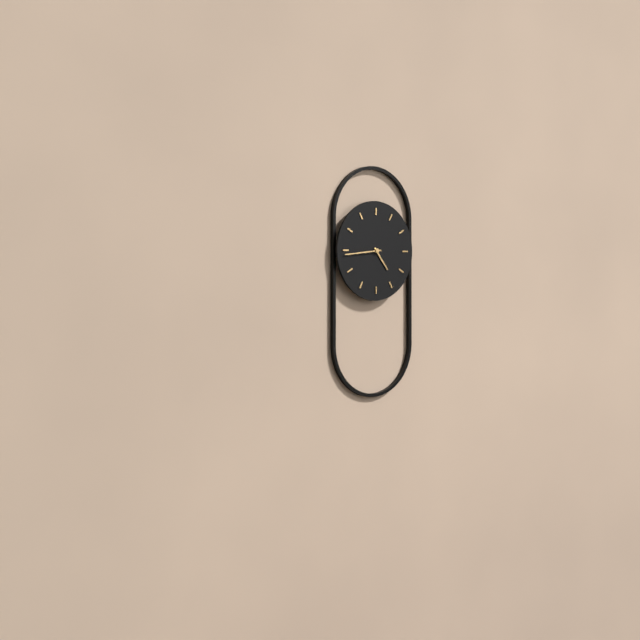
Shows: 4:44
